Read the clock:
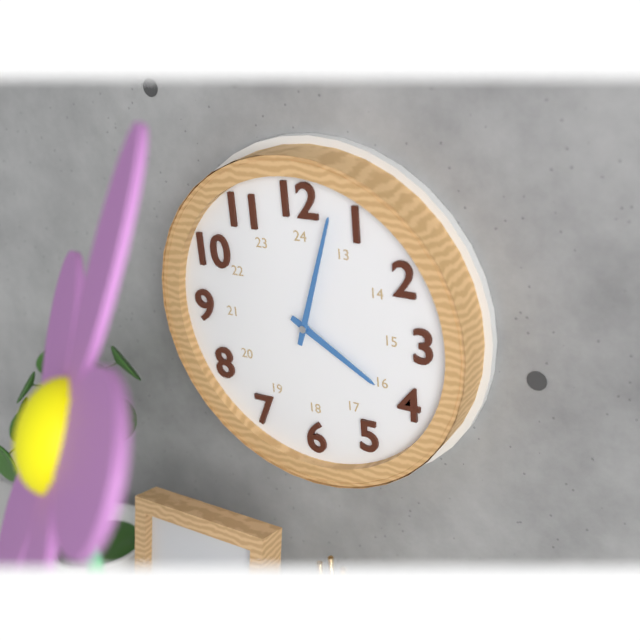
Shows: 4:03
